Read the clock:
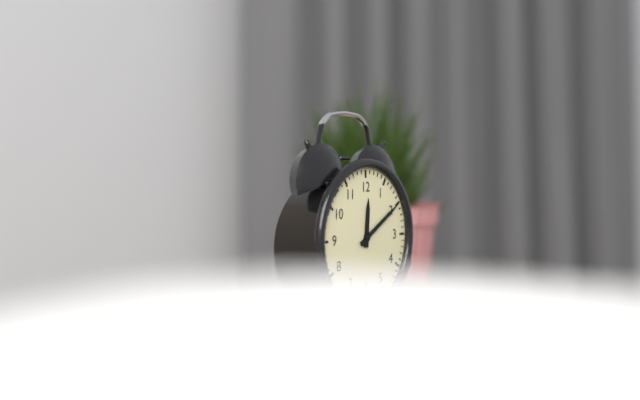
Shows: 12:10
